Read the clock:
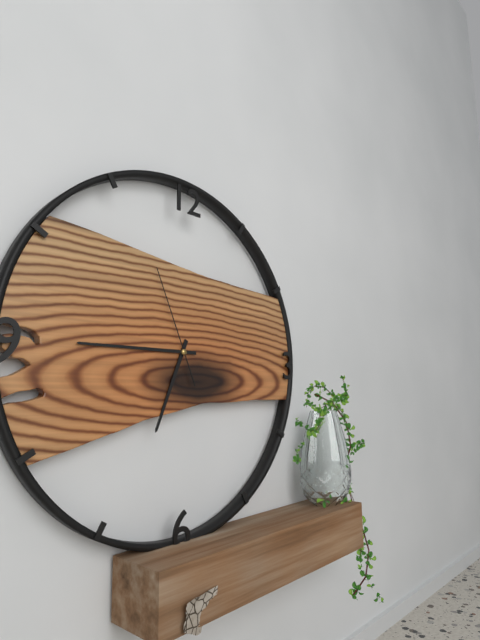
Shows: 6:45:56
